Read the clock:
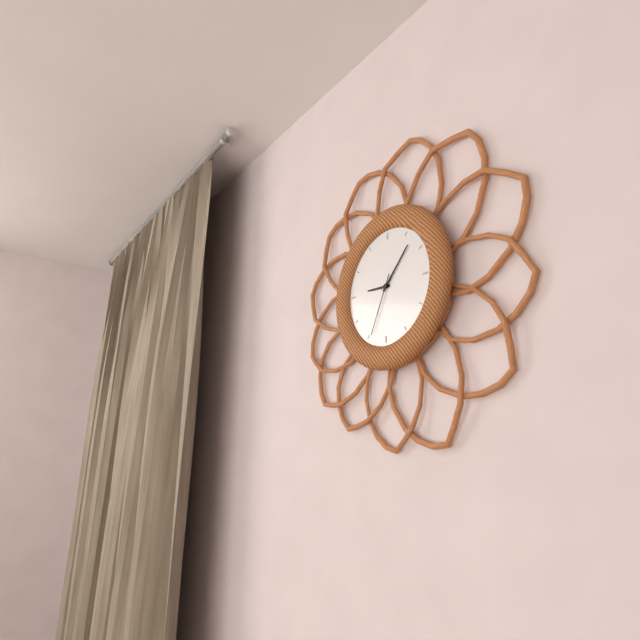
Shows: 9:07:34
